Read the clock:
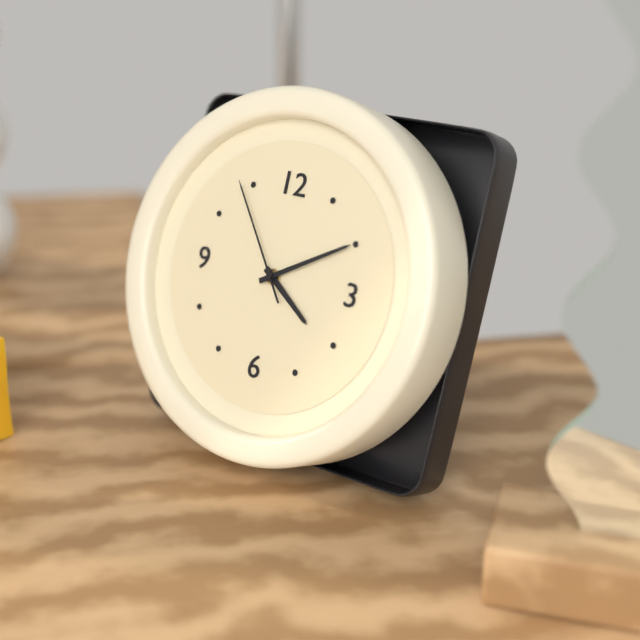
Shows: 4:10:54
